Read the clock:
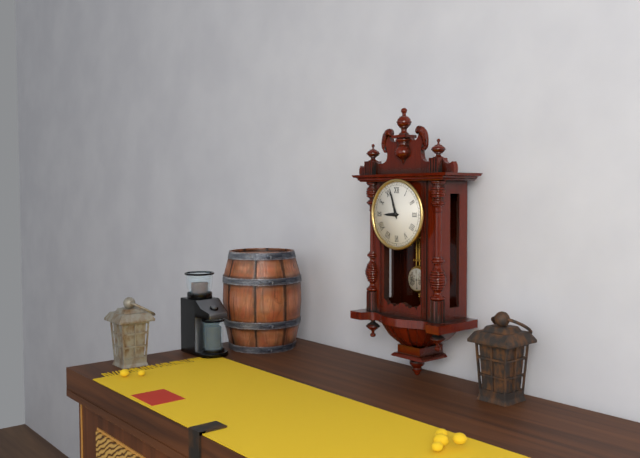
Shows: 8:57
